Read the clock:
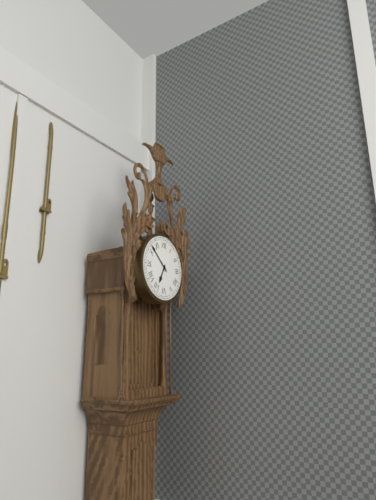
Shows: 6:52
